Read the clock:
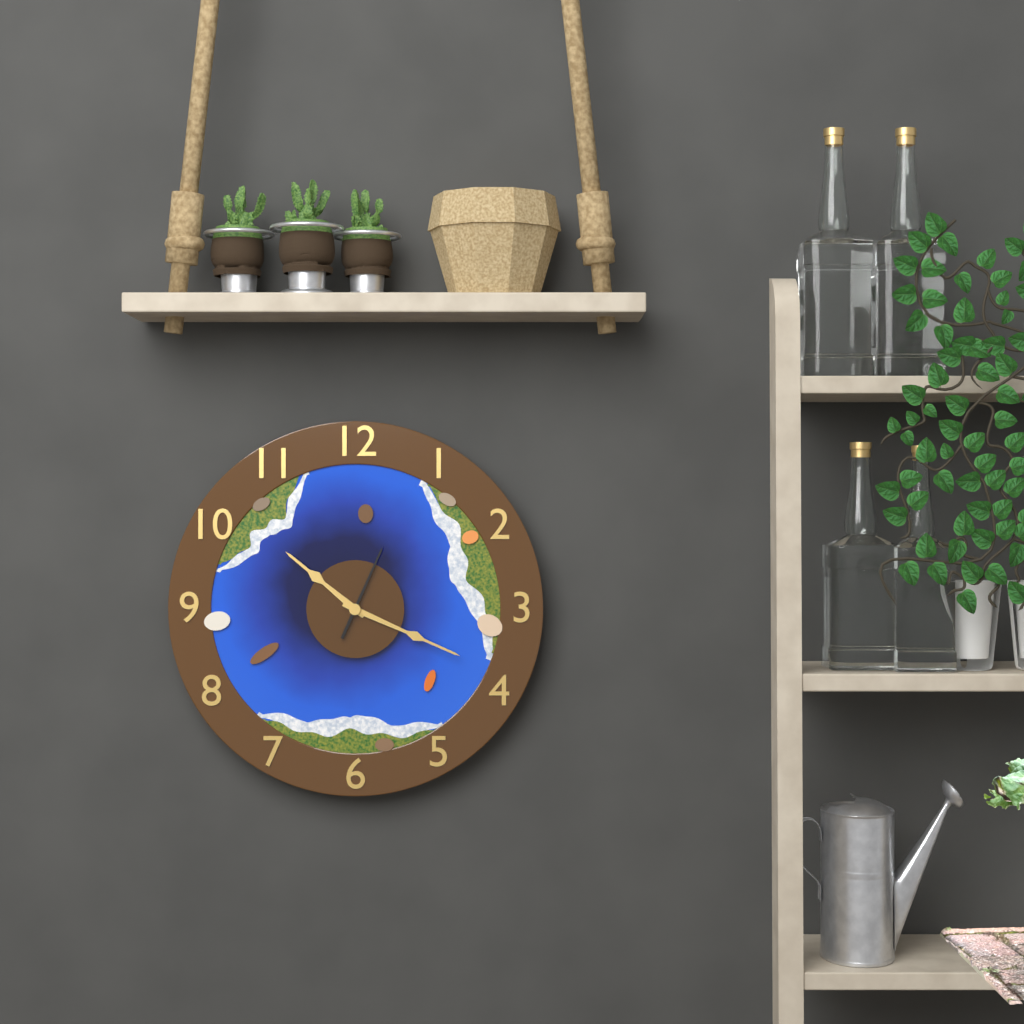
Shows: 10:19:04
